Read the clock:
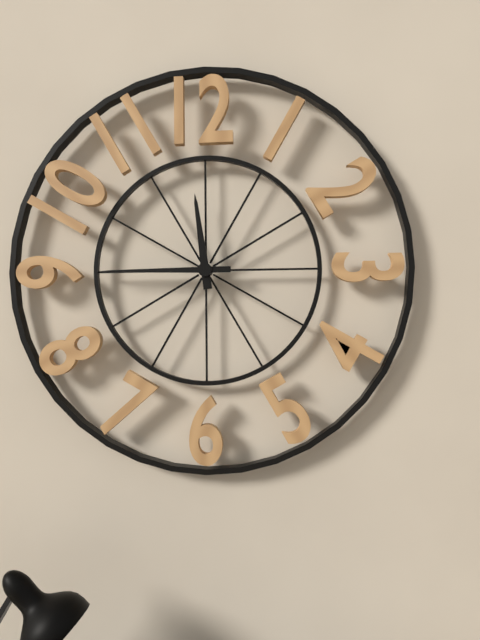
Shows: 11:45
